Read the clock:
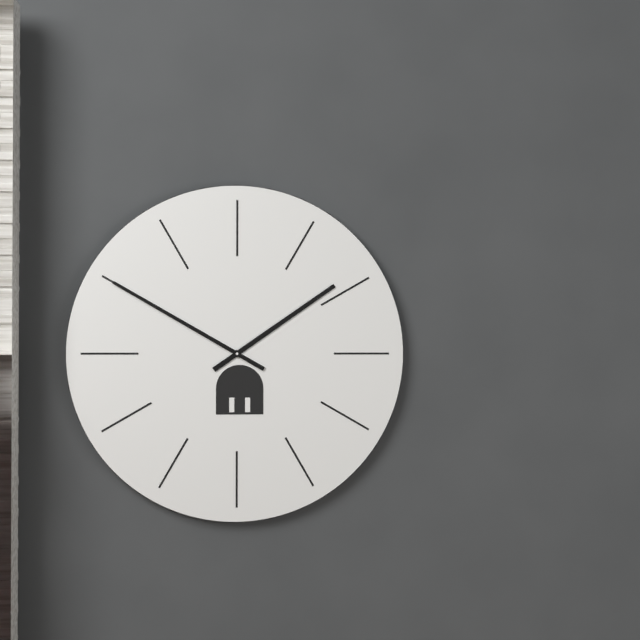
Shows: 1:50
